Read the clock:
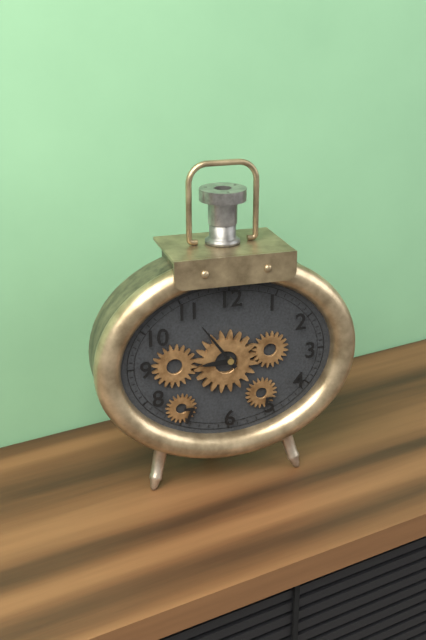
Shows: 8:54
